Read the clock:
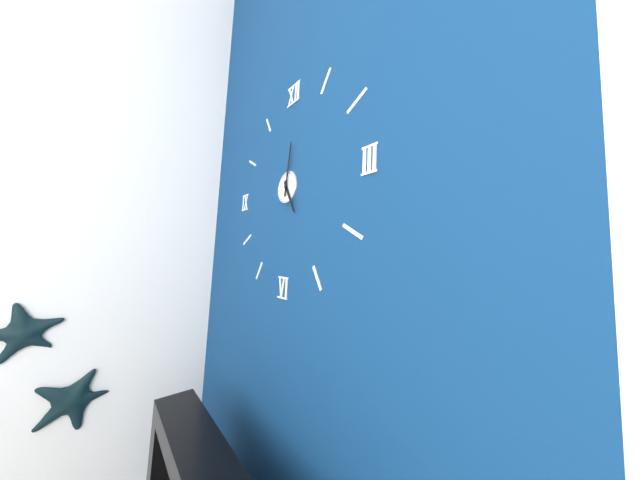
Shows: 5:01
